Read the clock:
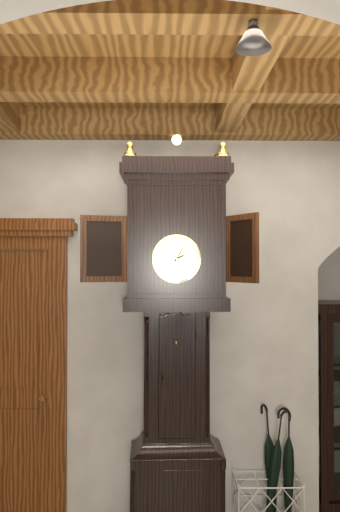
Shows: 2:05
